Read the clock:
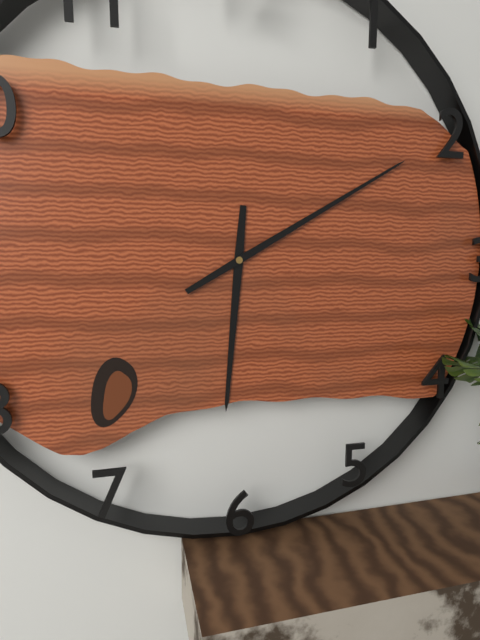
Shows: 6:10
